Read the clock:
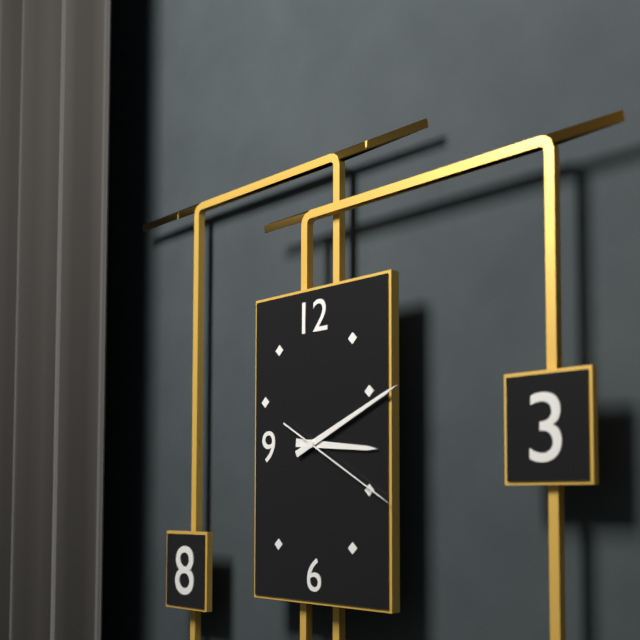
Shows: 3:11:20
